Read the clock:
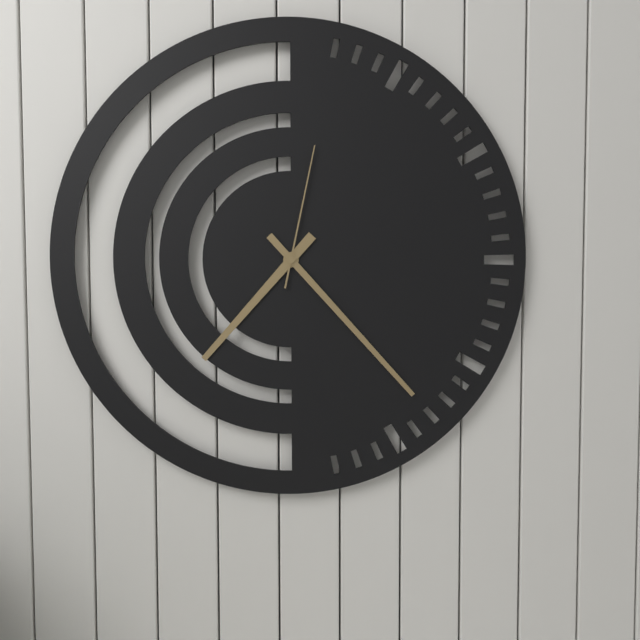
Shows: 7:23:02
